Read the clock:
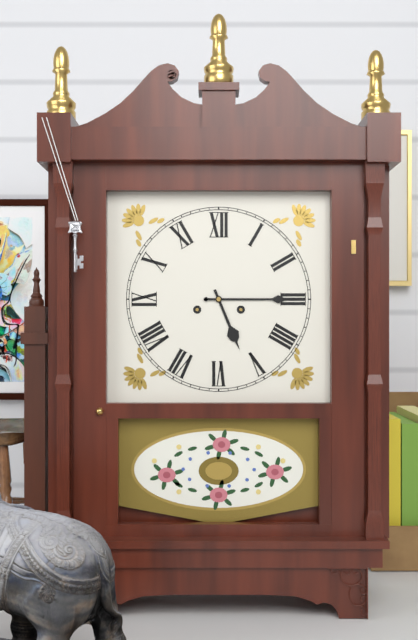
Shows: 5:15
